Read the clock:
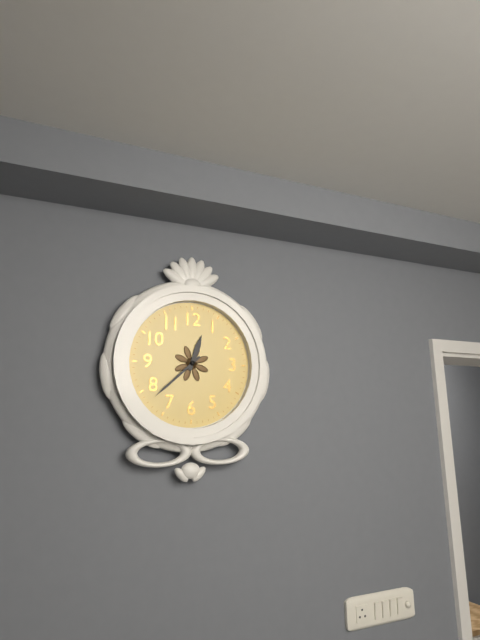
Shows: 12:38
